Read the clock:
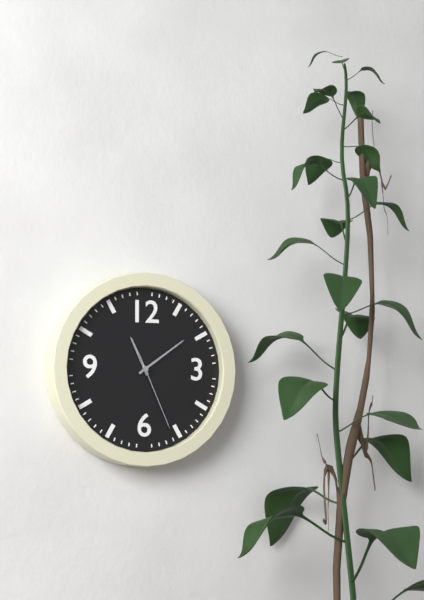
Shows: 11:09:26
